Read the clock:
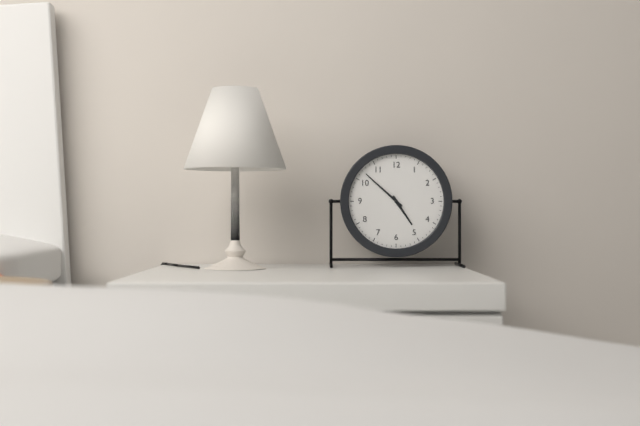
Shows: 4:52
